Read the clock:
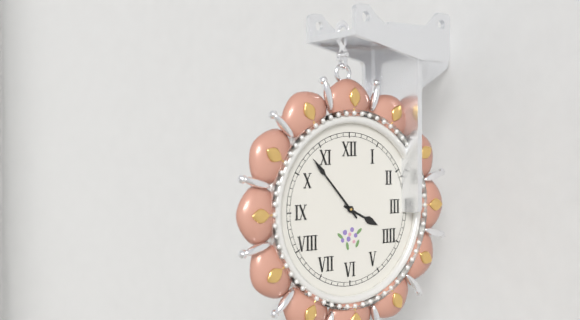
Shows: 3:53
